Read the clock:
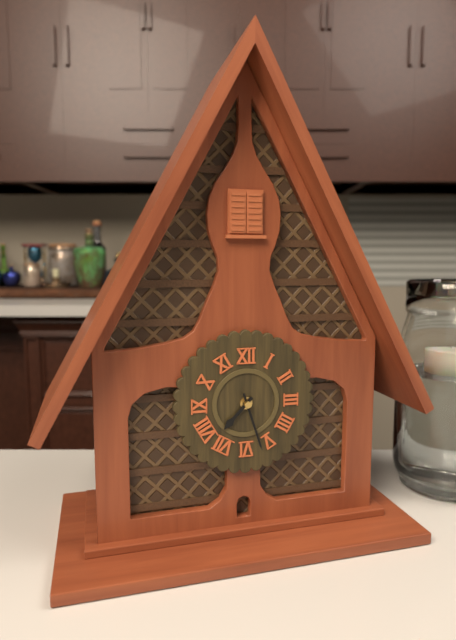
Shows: 7:27
